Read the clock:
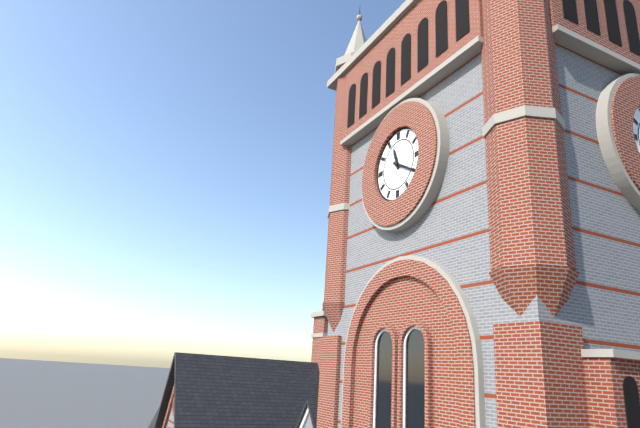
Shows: 11:20
